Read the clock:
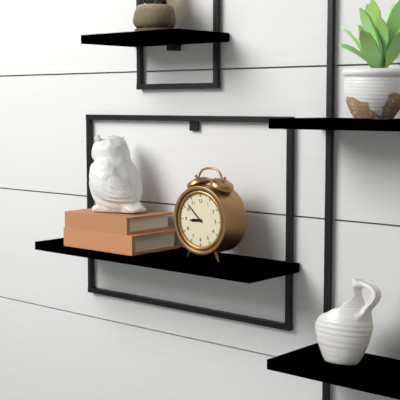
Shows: 8:52
